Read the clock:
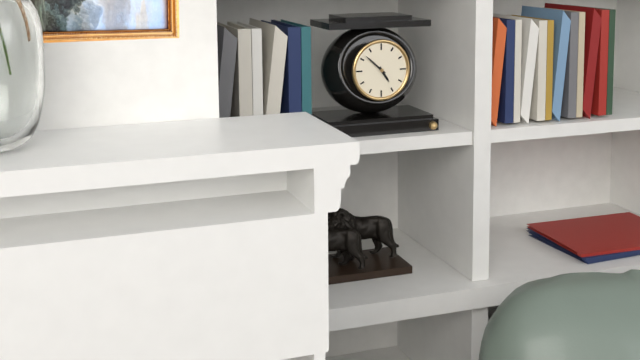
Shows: 4:52
